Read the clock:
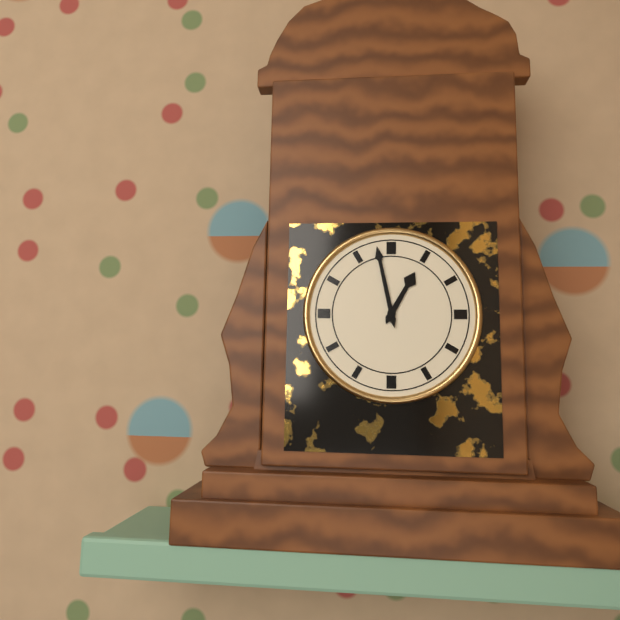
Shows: 12:58
